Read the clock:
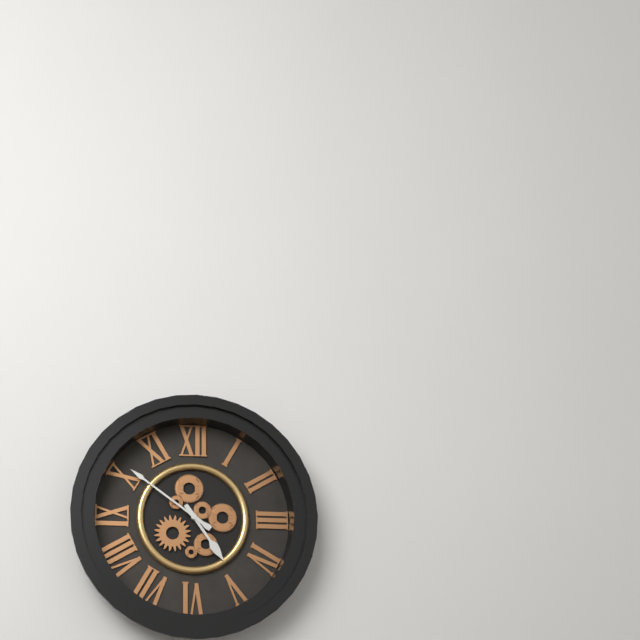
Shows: 4:51
